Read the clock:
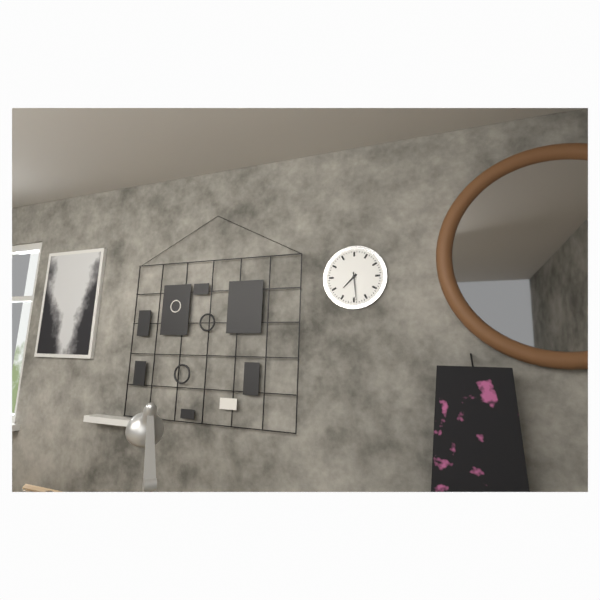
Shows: 7:29
